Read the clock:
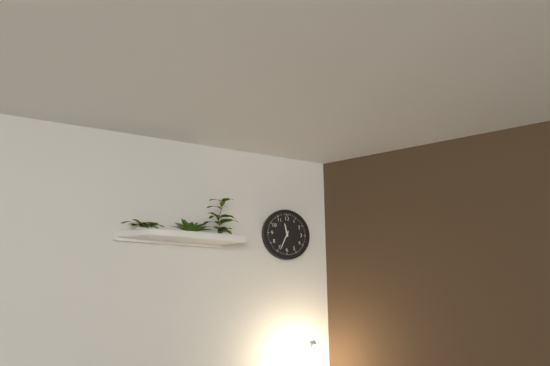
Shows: 11:34
